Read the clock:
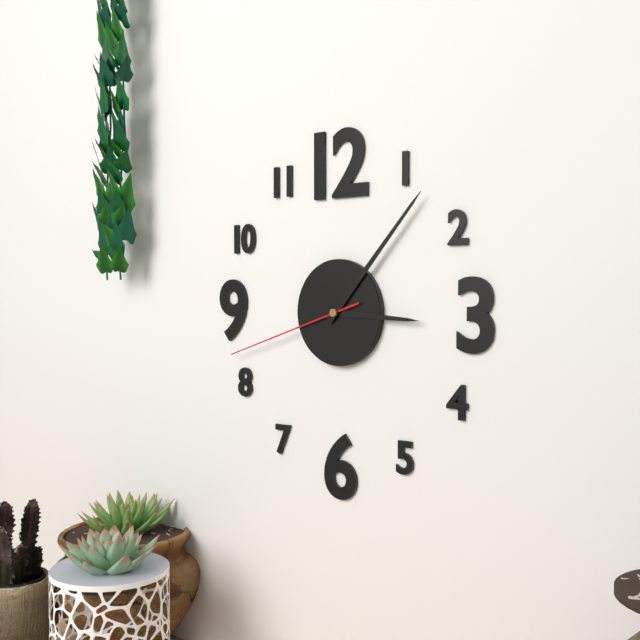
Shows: 3:07:42
